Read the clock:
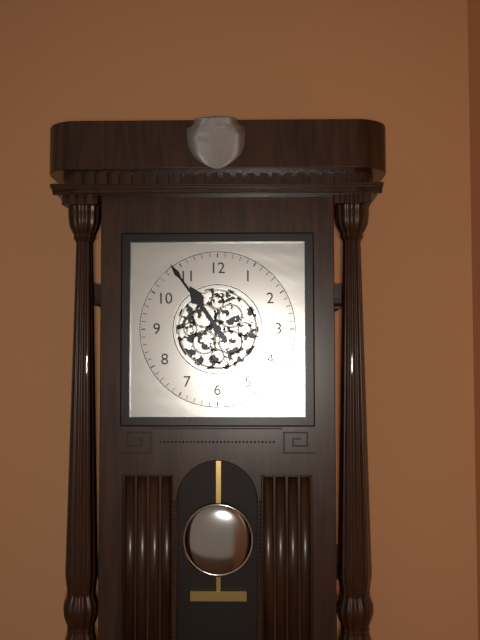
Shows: 10:54
